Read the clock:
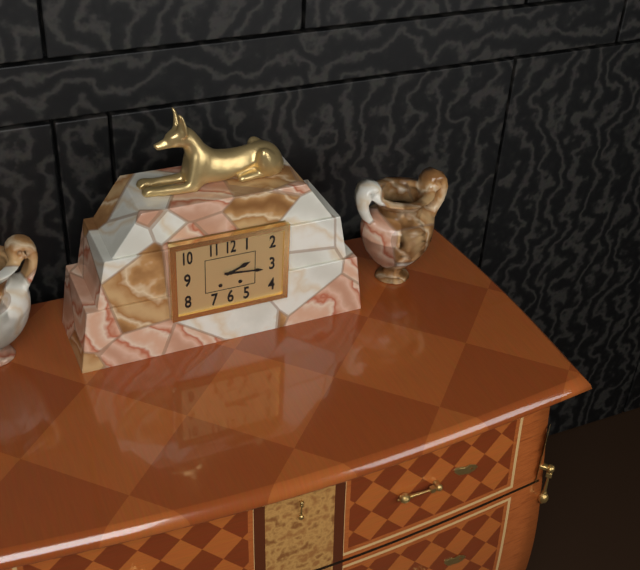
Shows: 2:16
